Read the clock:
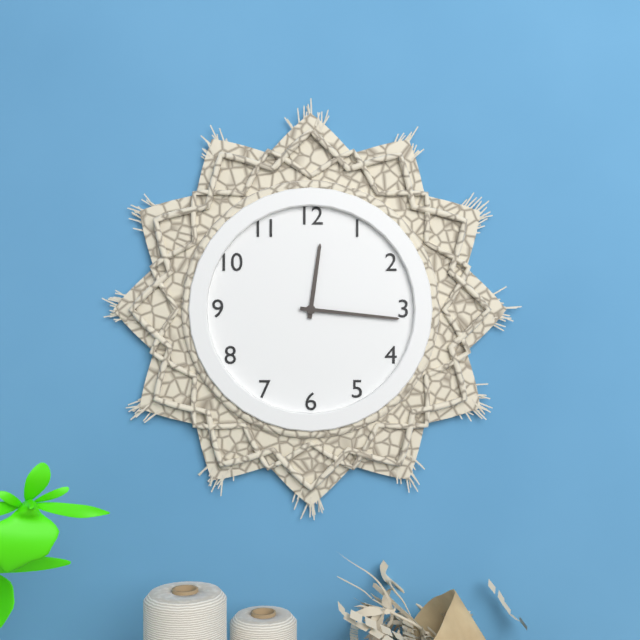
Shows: 12:16
